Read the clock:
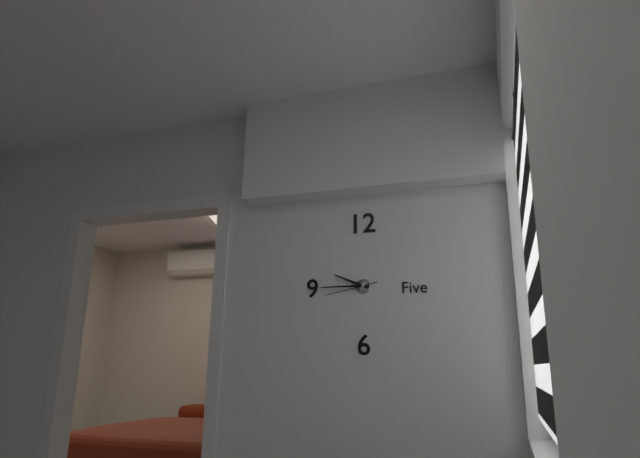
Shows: 9:45:43
